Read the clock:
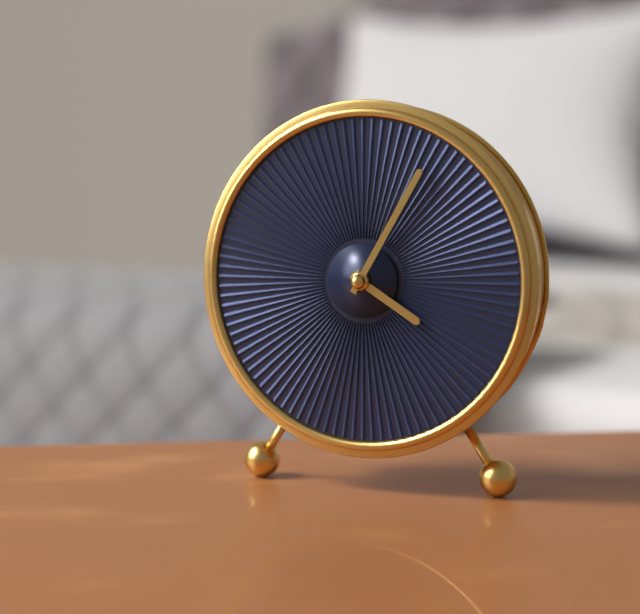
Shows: 4:05
